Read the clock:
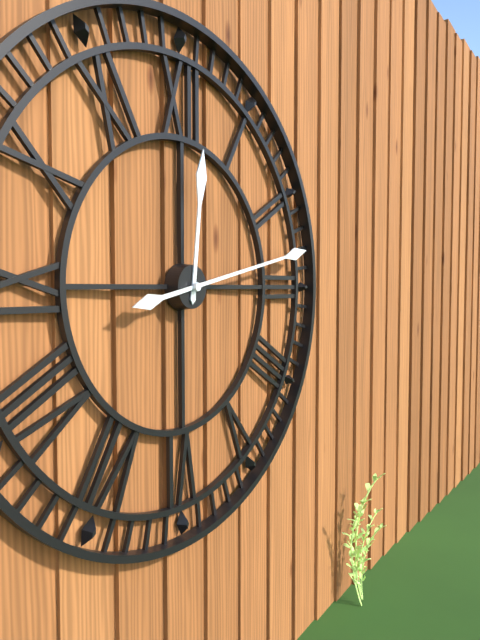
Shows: 12:13
